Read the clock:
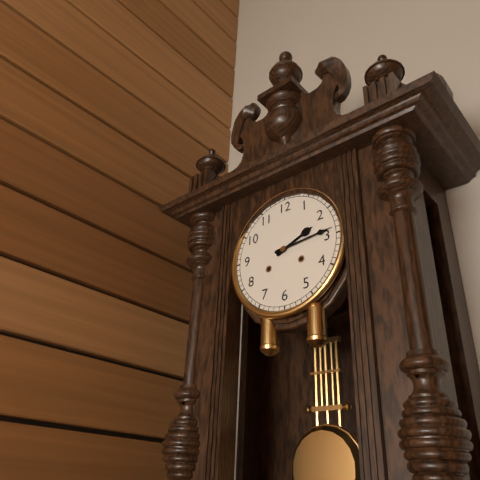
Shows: 2:14
